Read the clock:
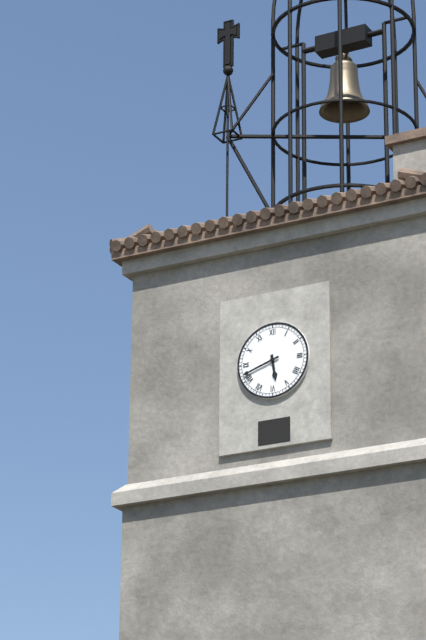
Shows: 5:42
